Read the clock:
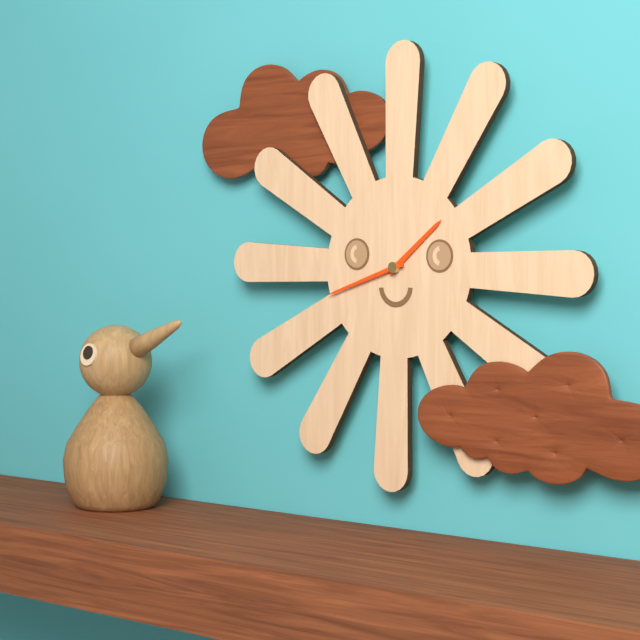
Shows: 1:42
